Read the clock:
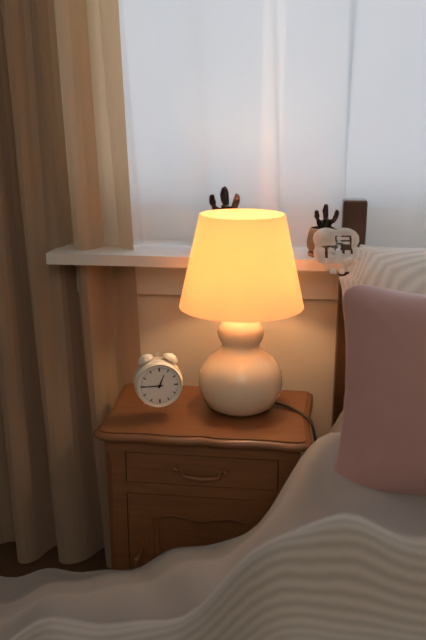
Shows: 12:45
